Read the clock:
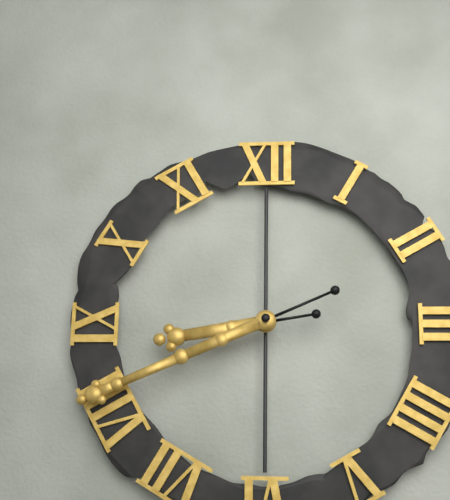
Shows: 8:41
